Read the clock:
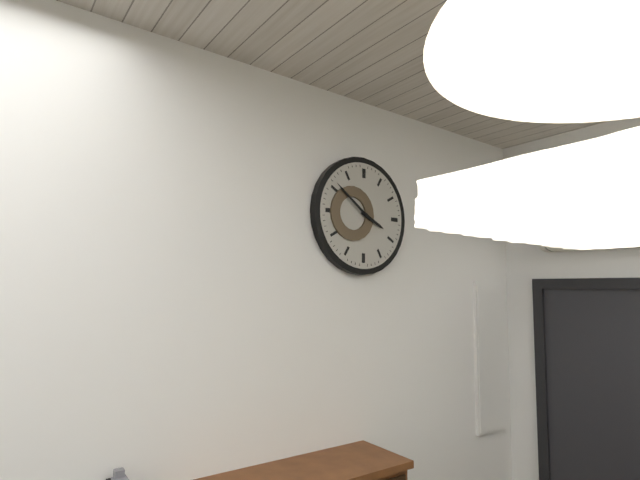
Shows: 3:51
